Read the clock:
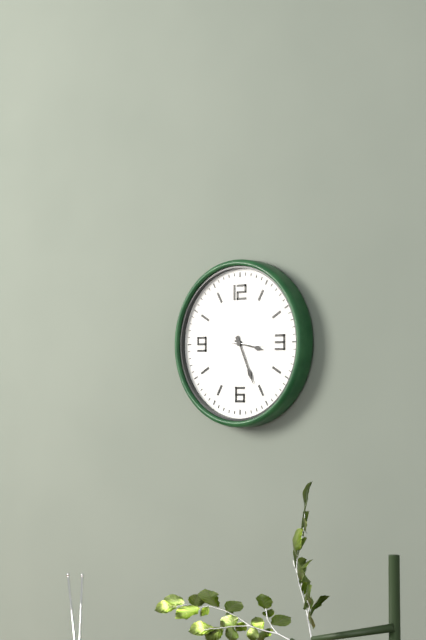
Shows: 3:26
